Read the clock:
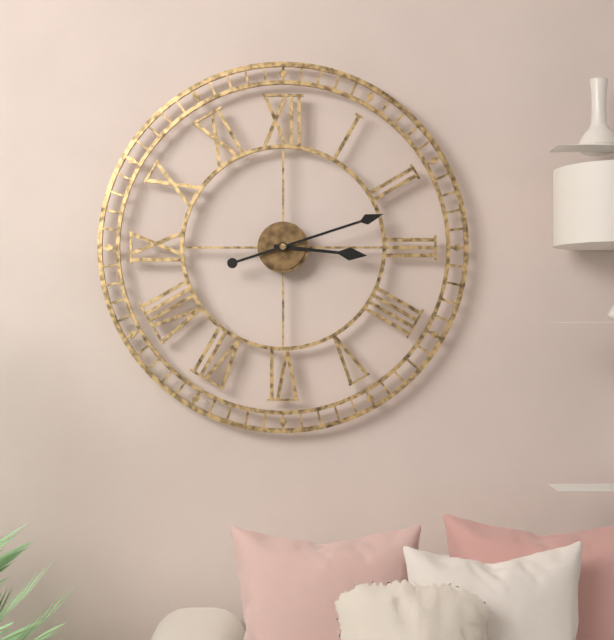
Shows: 3:12
